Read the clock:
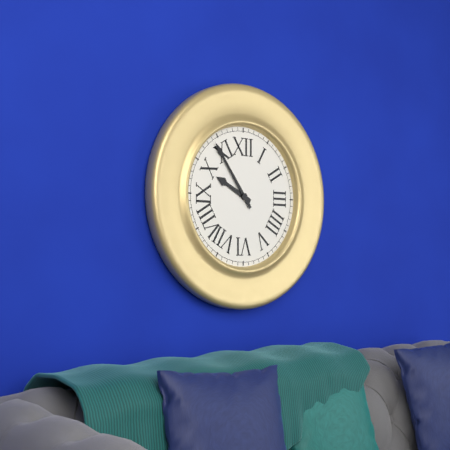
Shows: 9:54
